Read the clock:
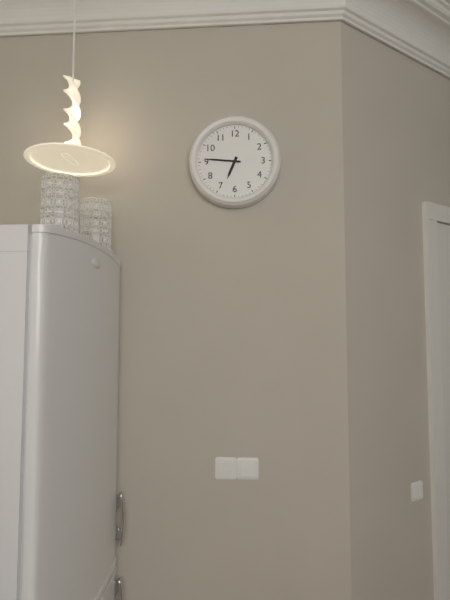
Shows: 6:46
